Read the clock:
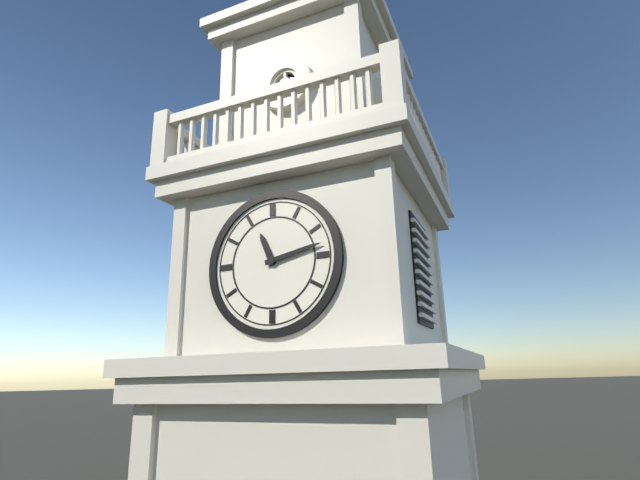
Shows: 11:13
